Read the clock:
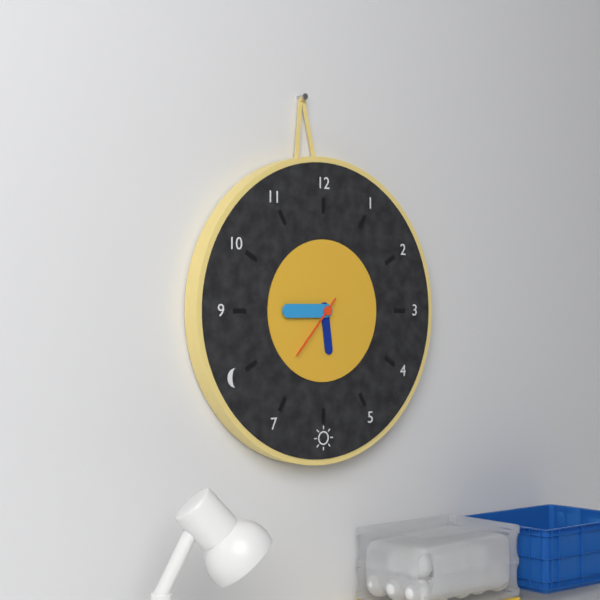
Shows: 5:45:37
